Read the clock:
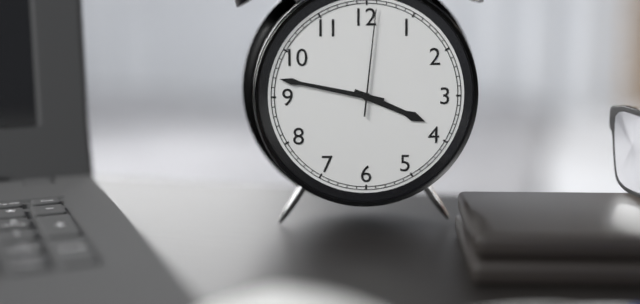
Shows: 3:47:01
